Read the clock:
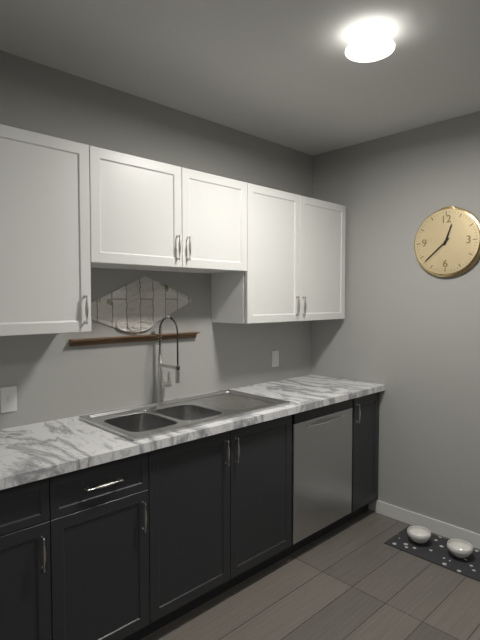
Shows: 12:38
